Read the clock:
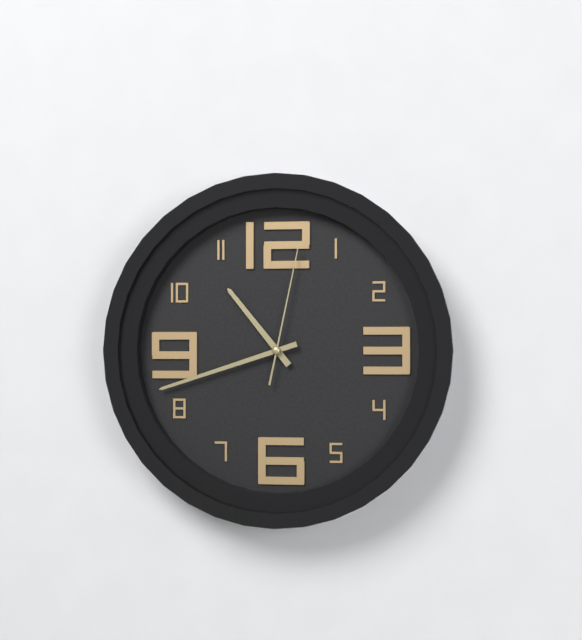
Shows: 10:42:02
